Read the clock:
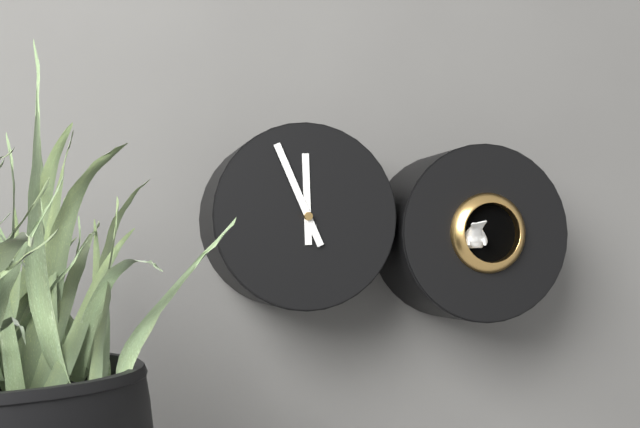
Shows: 11:56
